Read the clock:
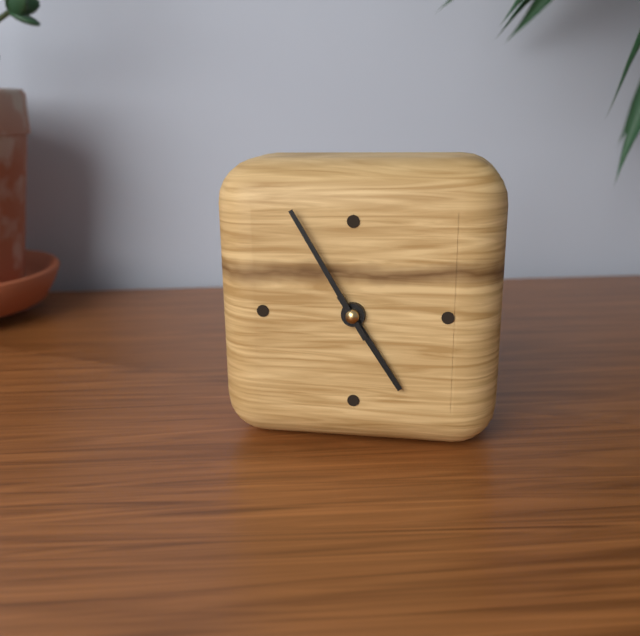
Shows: 4:55
